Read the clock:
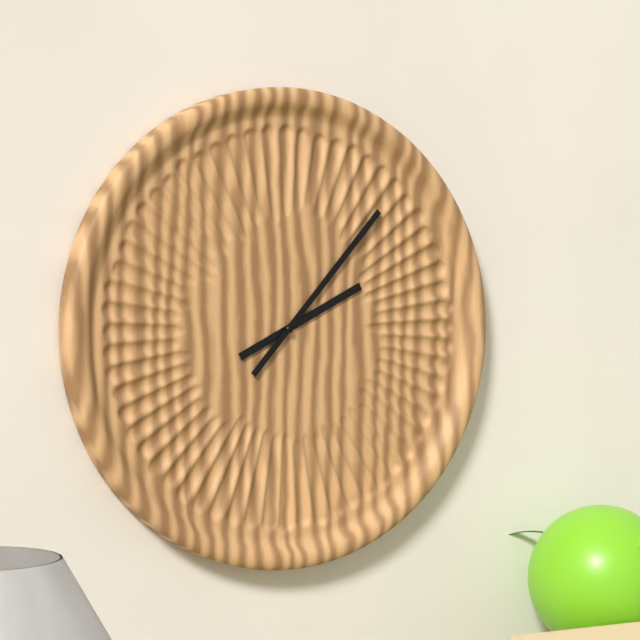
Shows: 2:07
